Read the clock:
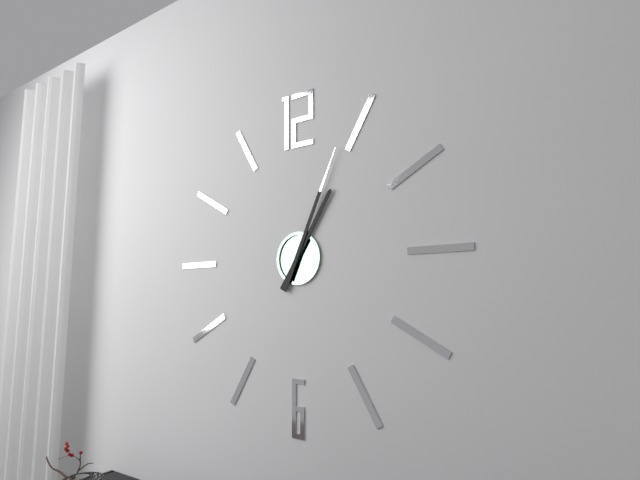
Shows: 1:04
